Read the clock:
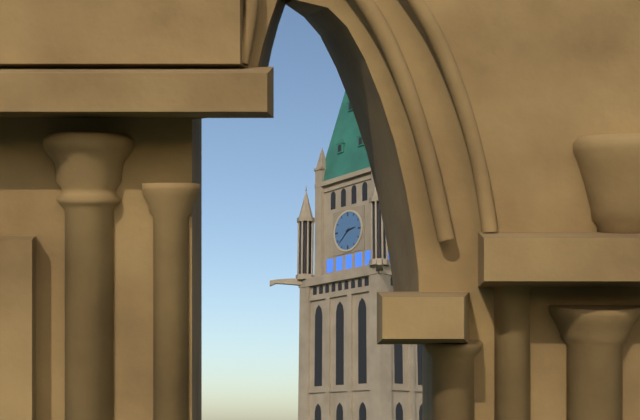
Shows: 2:38
